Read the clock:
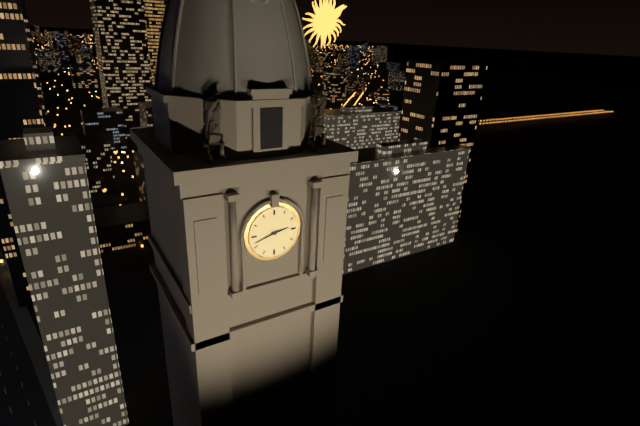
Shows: 2:42
